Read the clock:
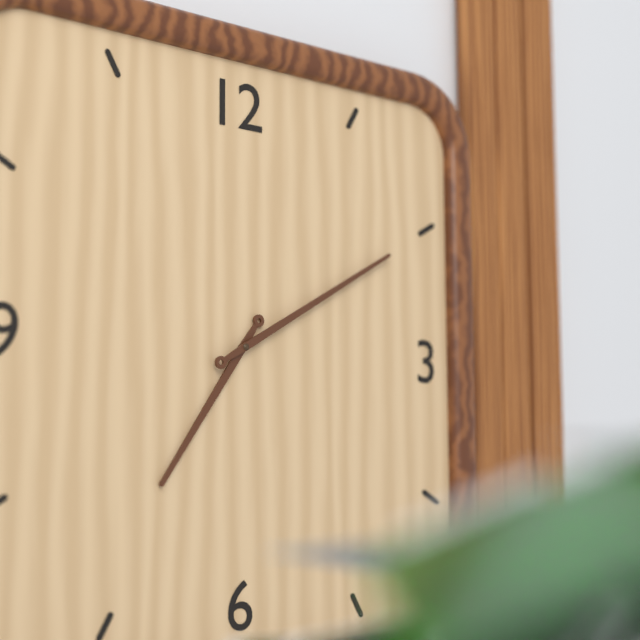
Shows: 7:10
